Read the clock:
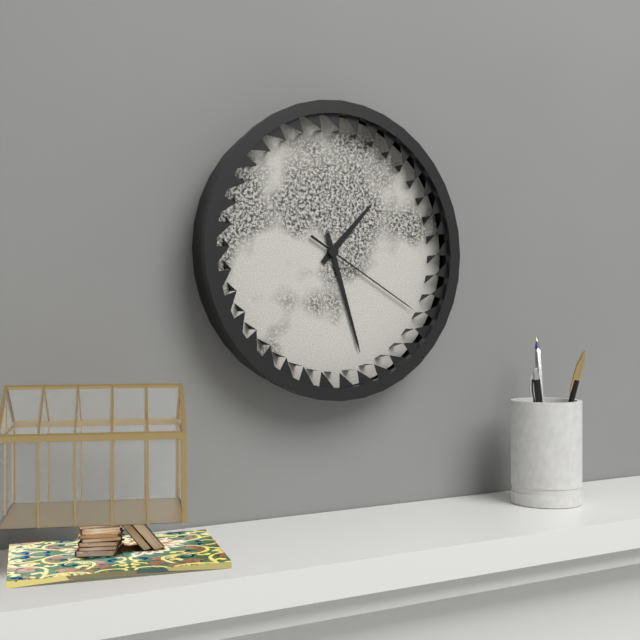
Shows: 1:27:20
